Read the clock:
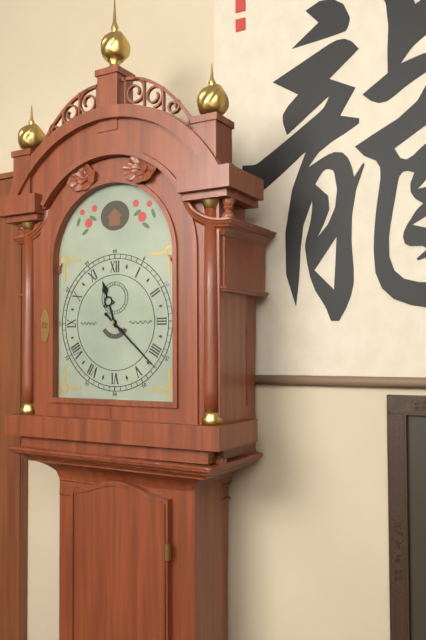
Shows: 11:22
